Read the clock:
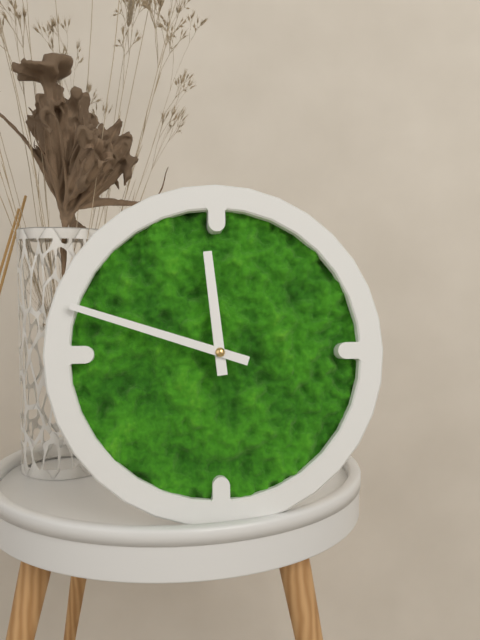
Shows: 11:48
